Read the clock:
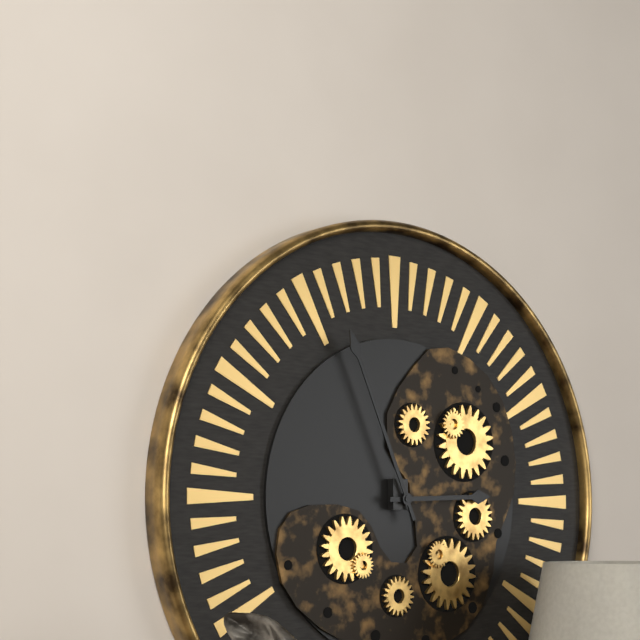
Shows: 2:56
